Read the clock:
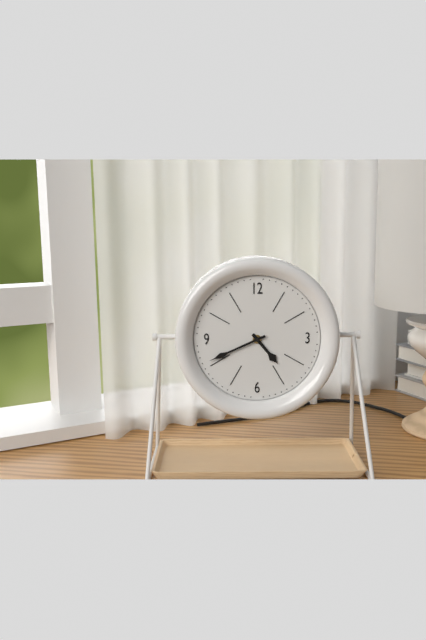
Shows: 4:41
